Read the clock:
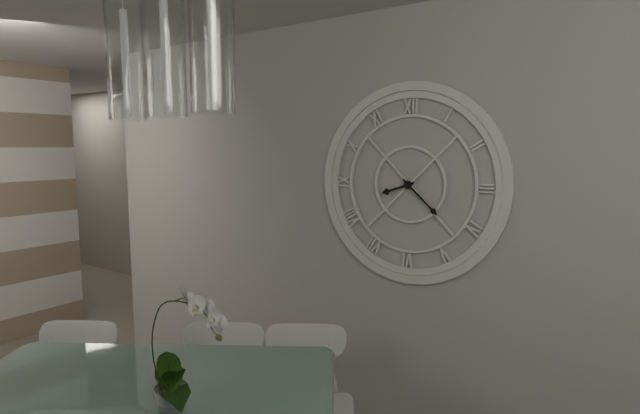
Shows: 8:22
